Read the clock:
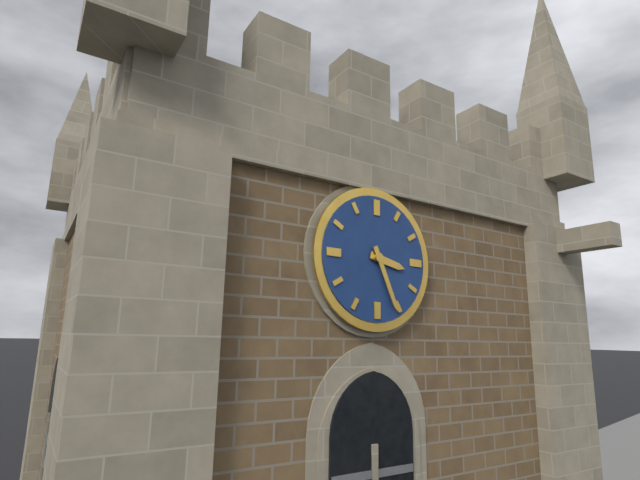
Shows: 3:26
